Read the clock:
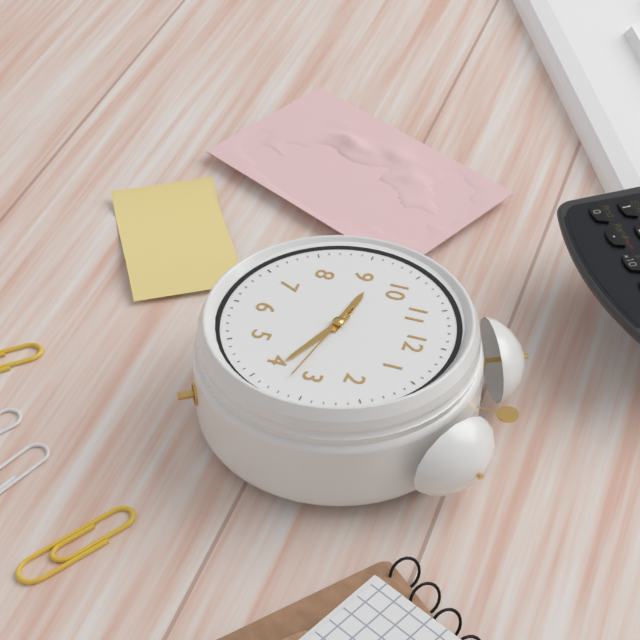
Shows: 9:19:17
